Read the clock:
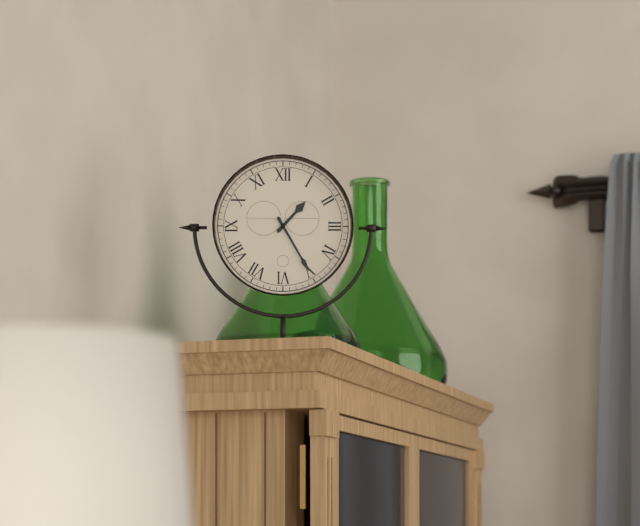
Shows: 1:25
